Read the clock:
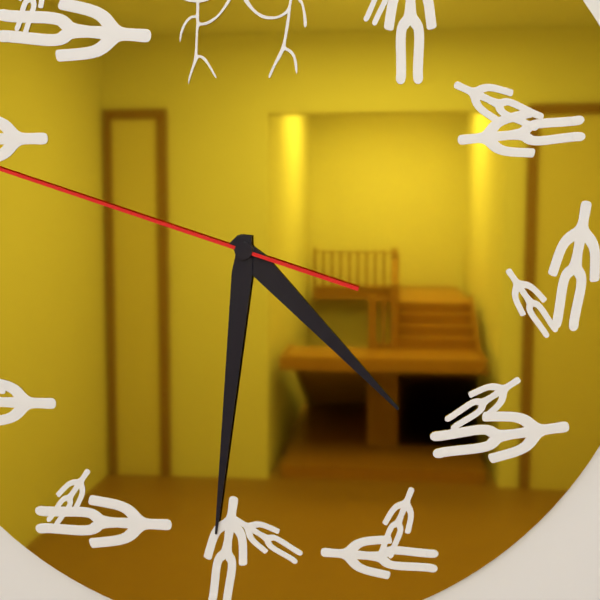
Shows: 4:31
